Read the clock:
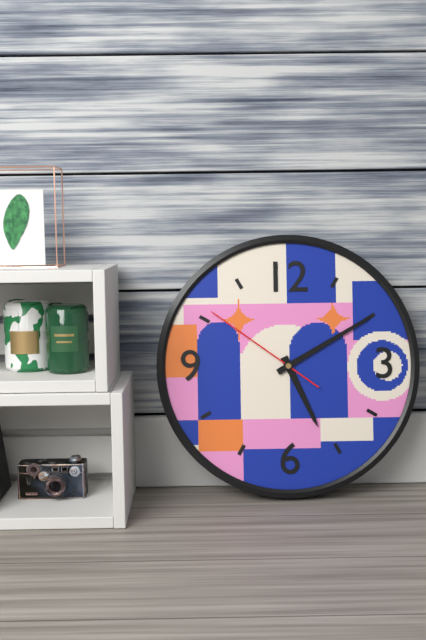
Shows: 5:10:51
